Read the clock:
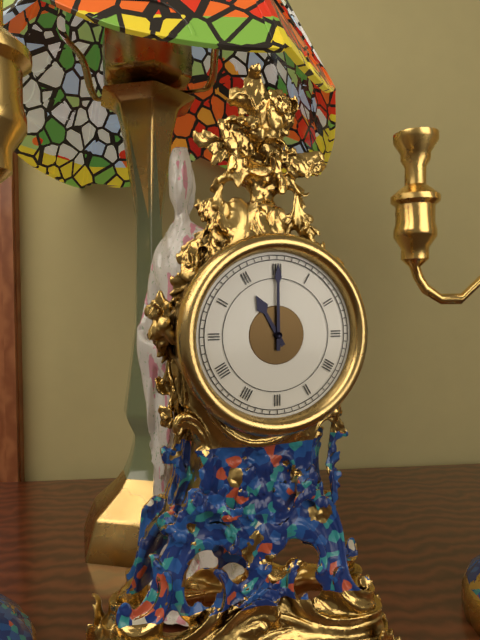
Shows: 11:00
